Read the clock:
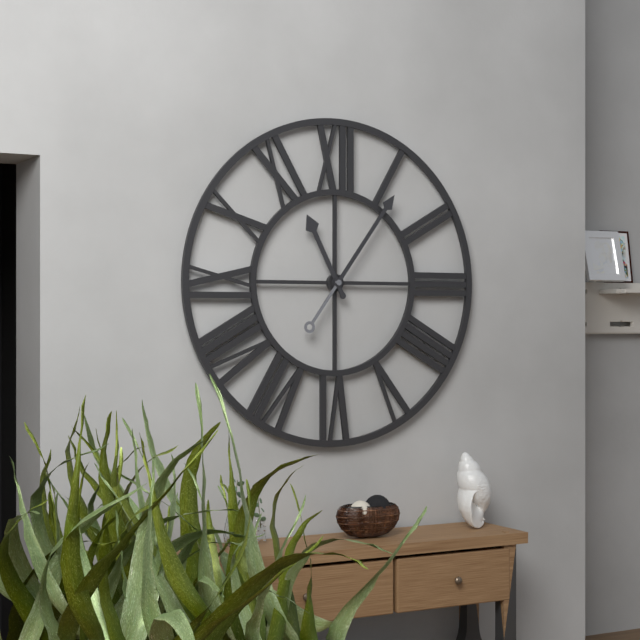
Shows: 11:06
